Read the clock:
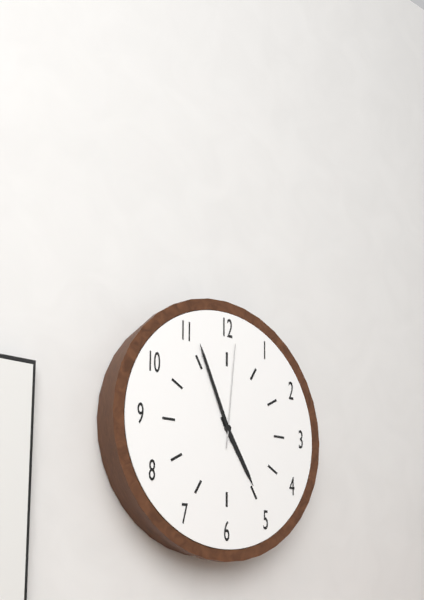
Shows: 4:56:01
